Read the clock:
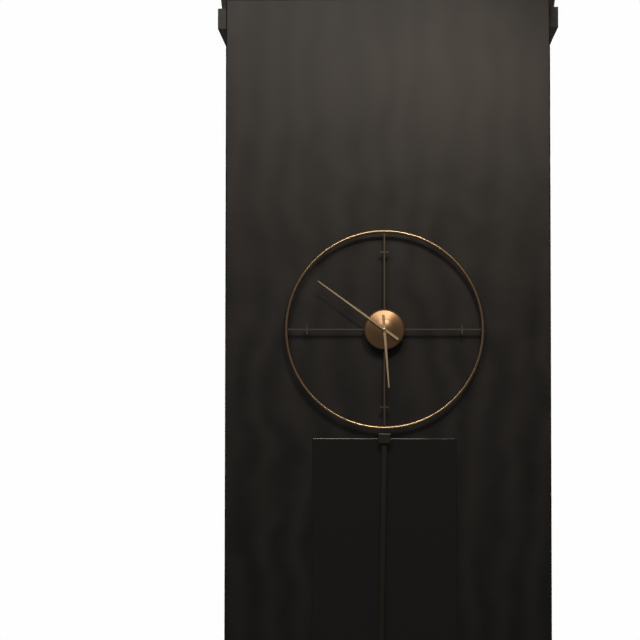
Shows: 5:51
